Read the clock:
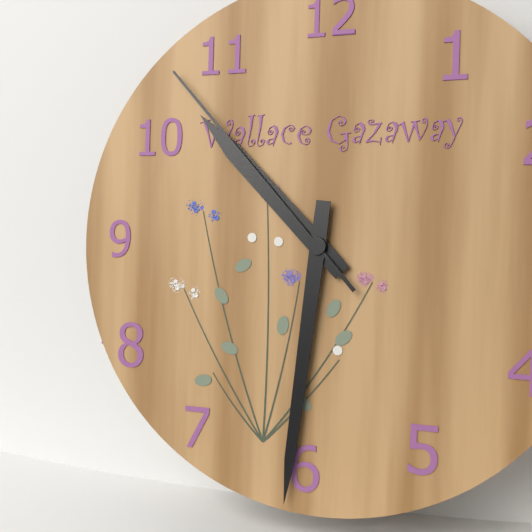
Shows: 10:31:53
